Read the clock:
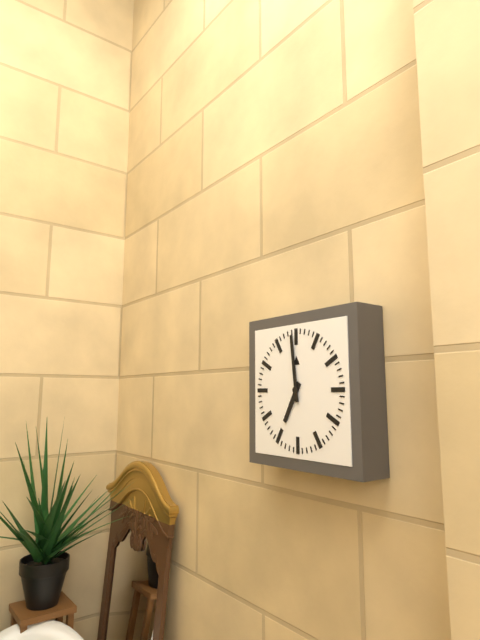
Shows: 6:59
